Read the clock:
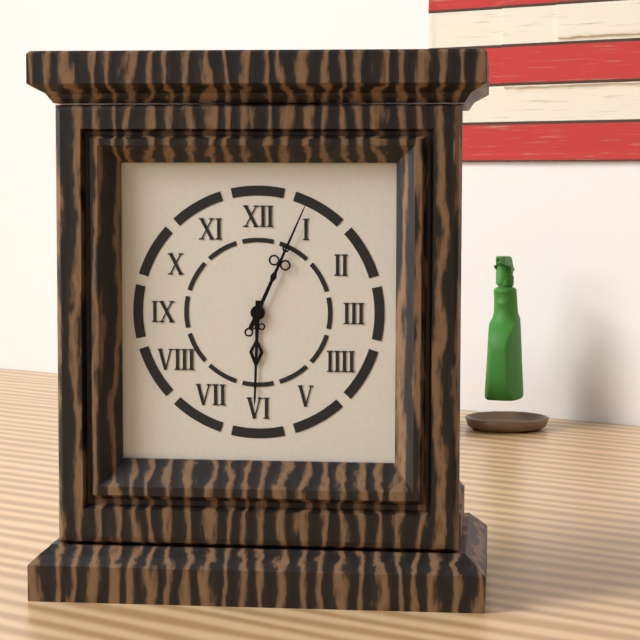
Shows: 6:04
